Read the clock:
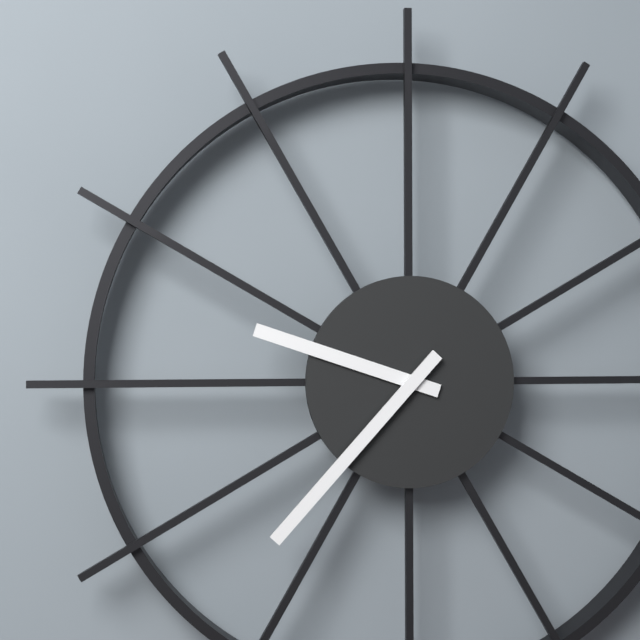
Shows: 9:37
